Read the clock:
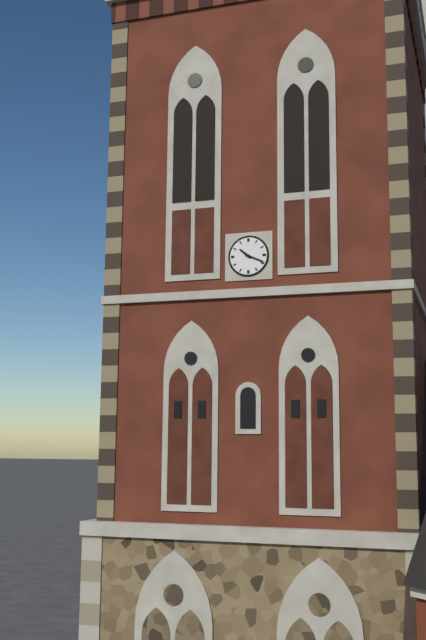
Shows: 10:19
